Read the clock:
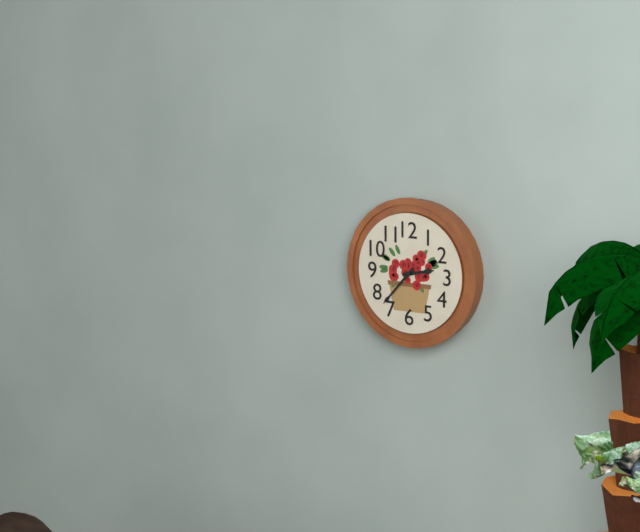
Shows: 2:37
